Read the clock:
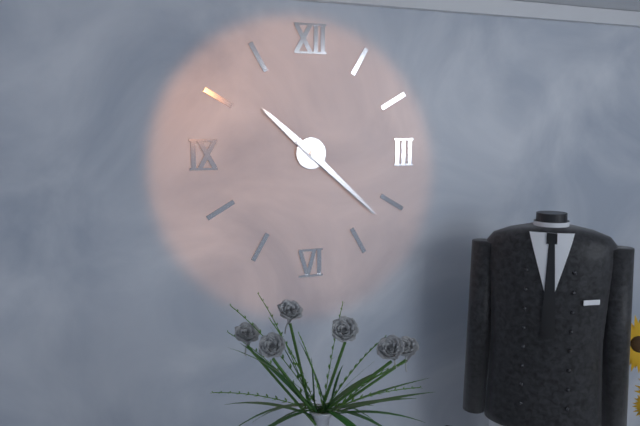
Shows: 10:22
